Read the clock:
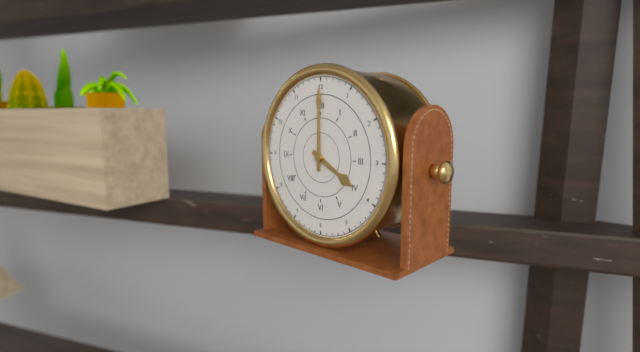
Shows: 4:00
